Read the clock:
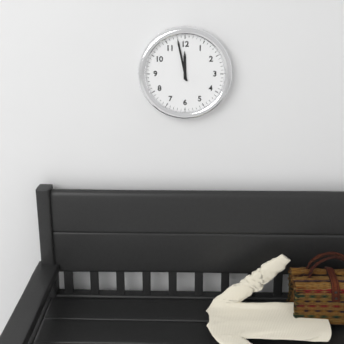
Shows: 11:58
